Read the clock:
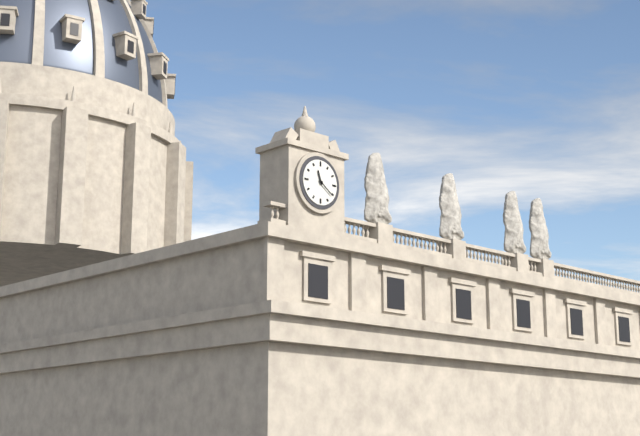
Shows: 11:21
